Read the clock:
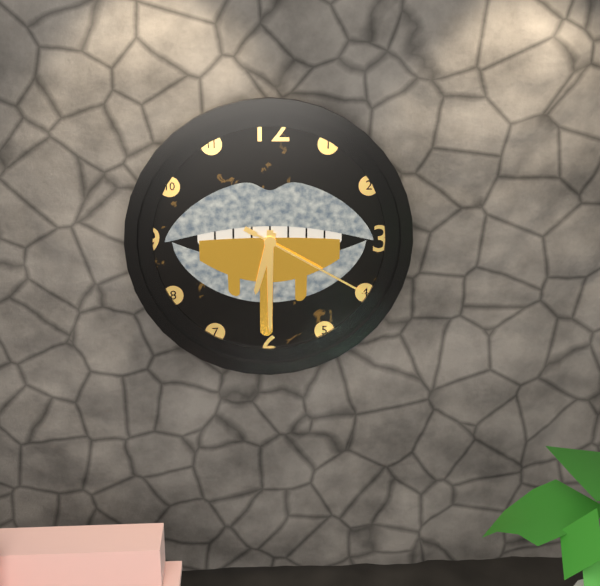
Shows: 6:30:20
